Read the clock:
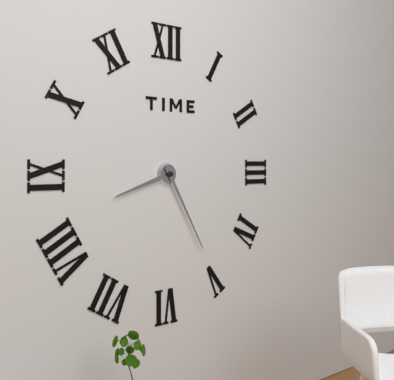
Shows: 8:25
